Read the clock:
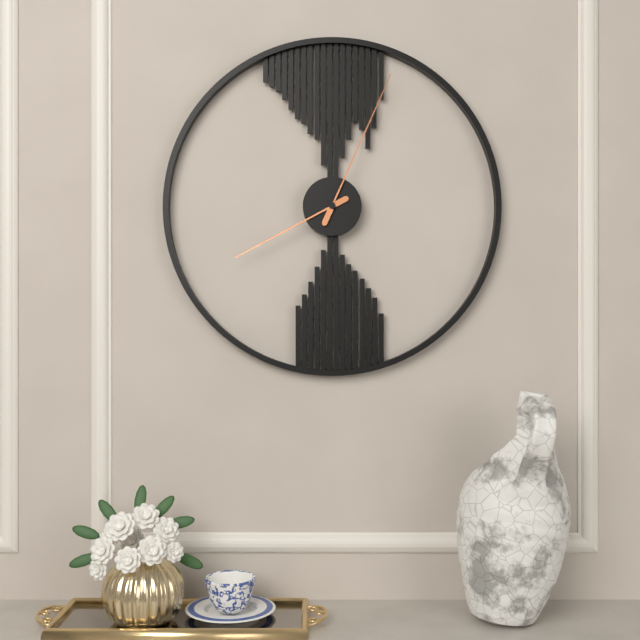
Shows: 8:04
